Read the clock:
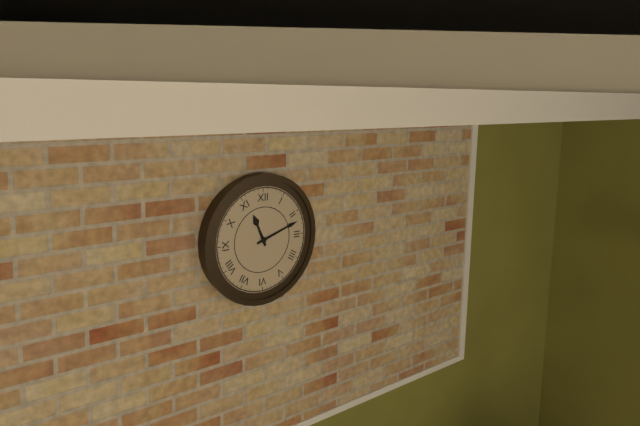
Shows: 11:12
